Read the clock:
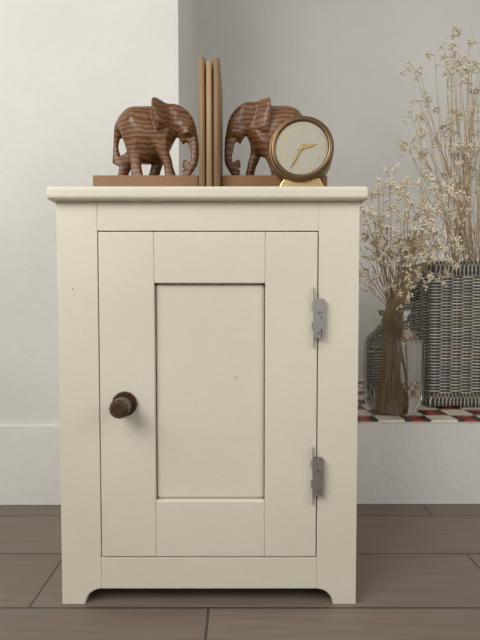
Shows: 2:35
